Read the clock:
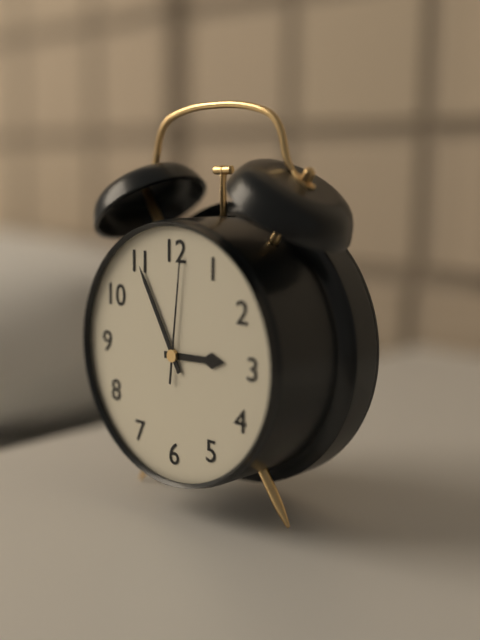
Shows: 2:55:01
